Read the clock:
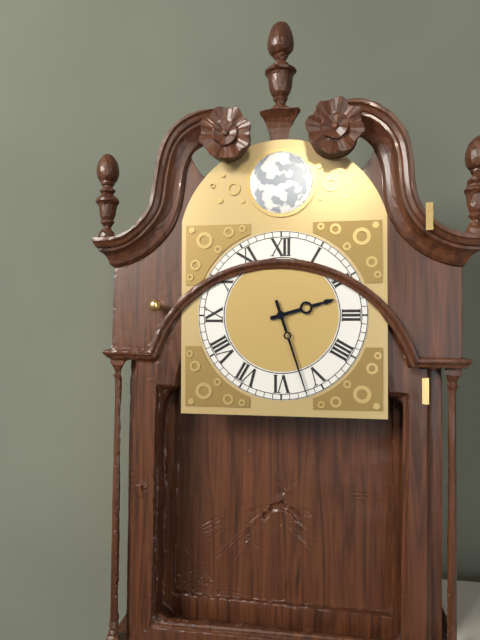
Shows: 2:27
